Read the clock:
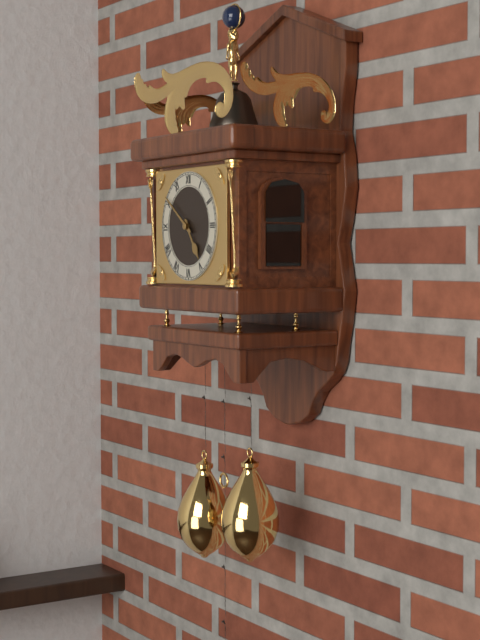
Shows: 4:51
